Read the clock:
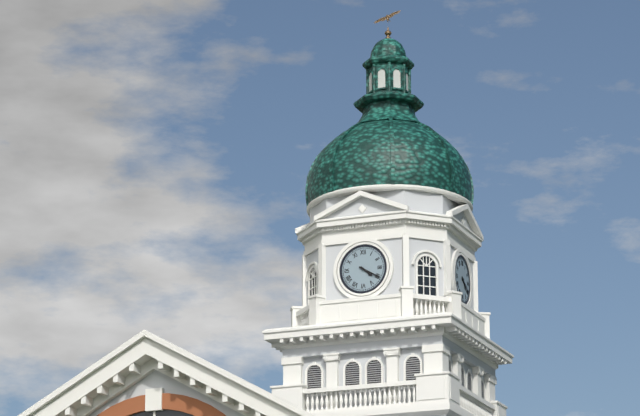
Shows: 4:20
